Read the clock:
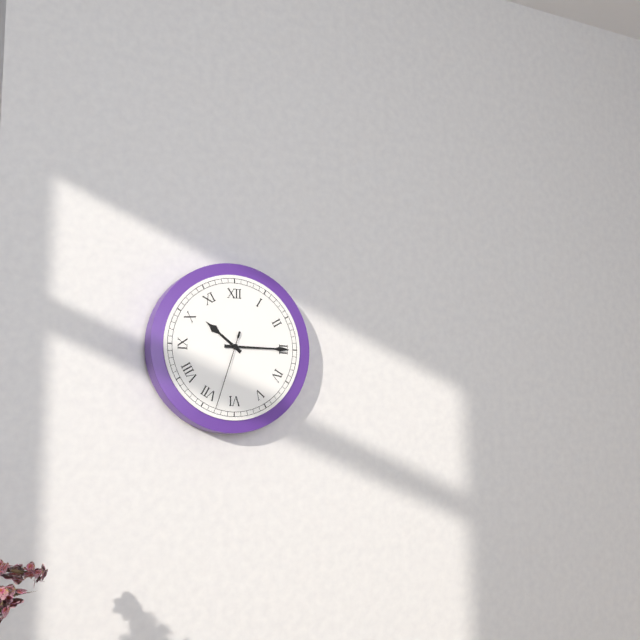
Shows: 10:15:33
